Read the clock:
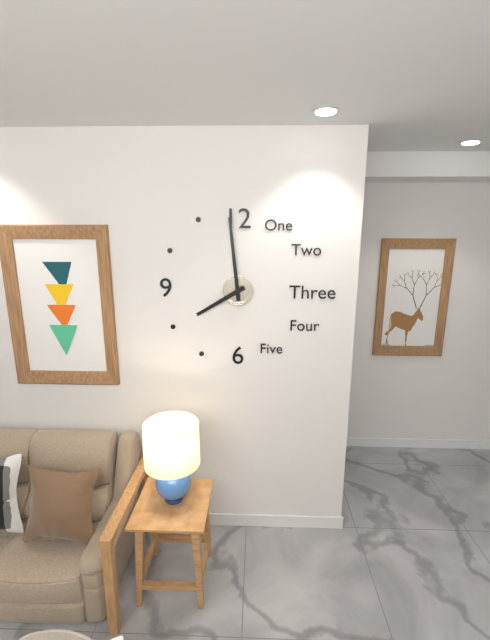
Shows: 7:59
